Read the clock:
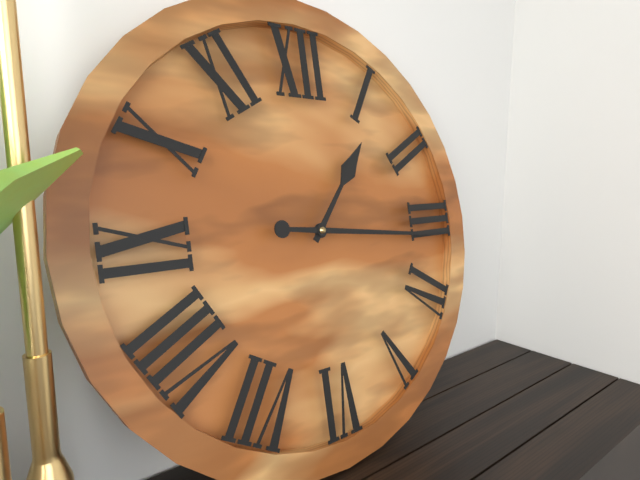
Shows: 1:16
